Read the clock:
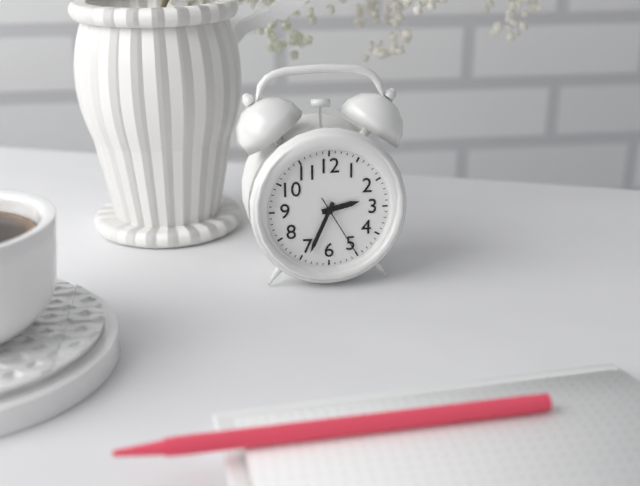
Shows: 2:34:25
